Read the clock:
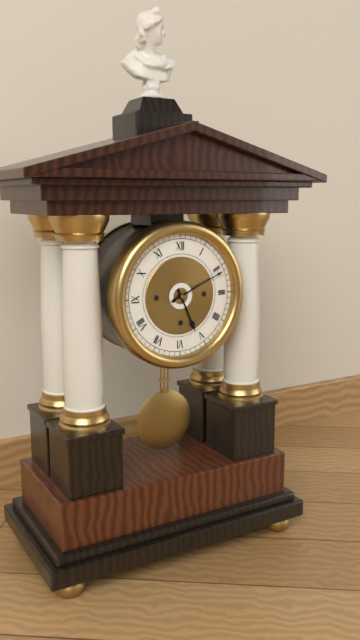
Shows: 5:11
